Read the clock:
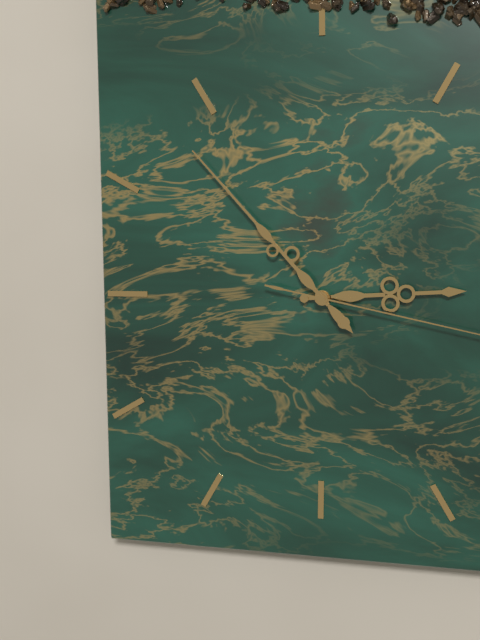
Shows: 2:53
